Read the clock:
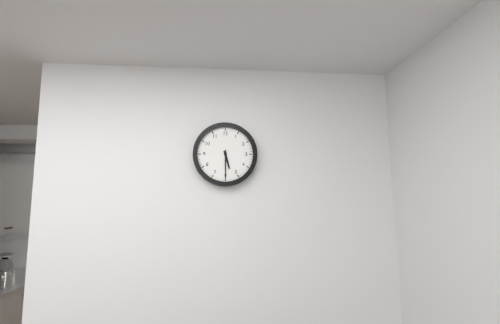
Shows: 5:30
